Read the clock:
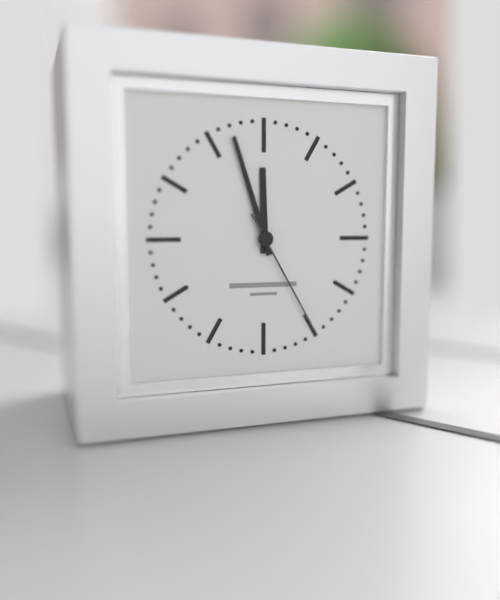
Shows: 11:57:25
